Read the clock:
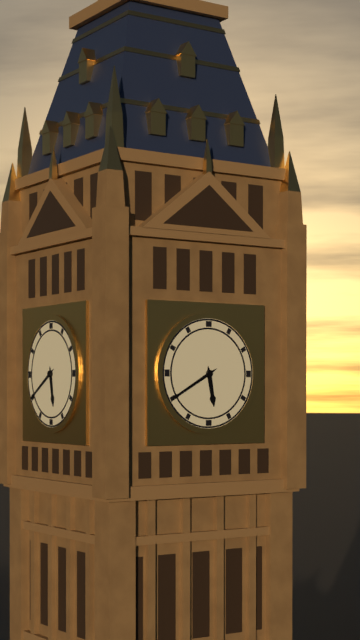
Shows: 5:40
